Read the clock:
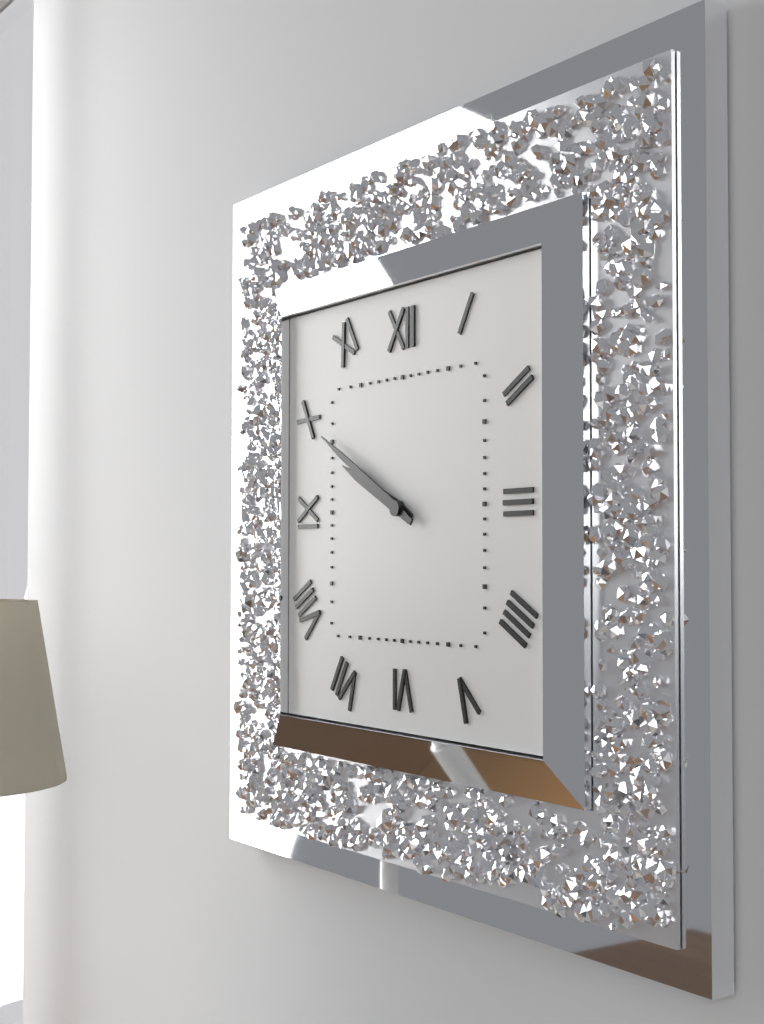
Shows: 9:50
